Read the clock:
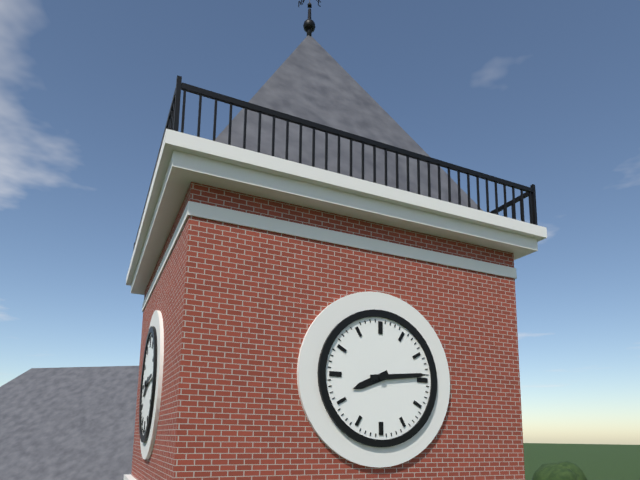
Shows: 8:14
